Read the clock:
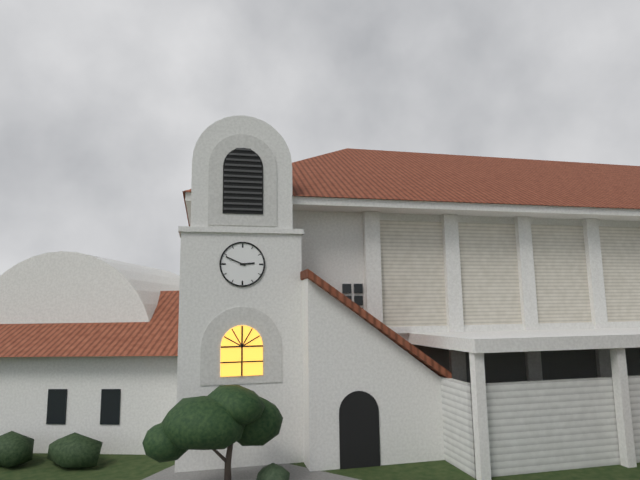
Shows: 2:49
